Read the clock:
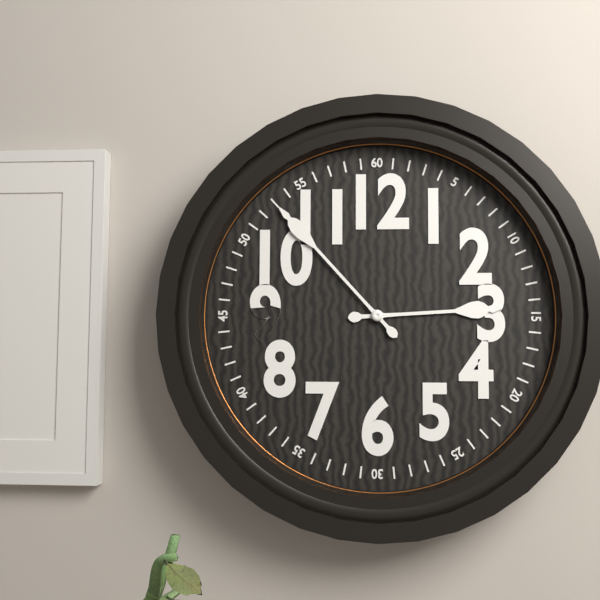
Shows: 2:53
